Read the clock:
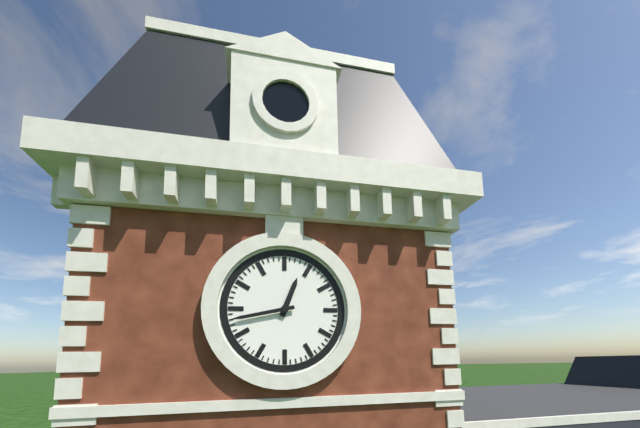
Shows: 12:43
